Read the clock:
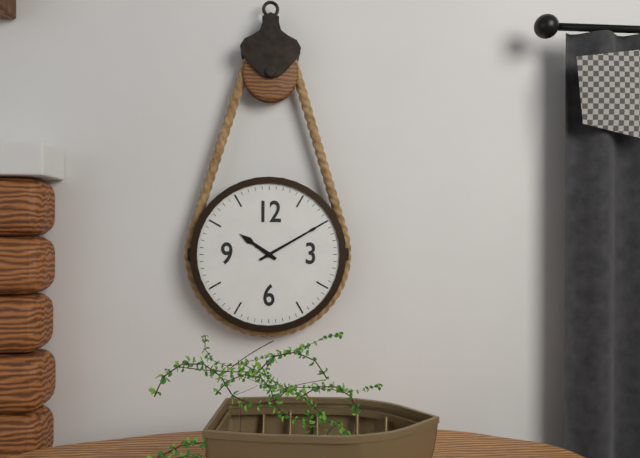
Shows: 10:10
